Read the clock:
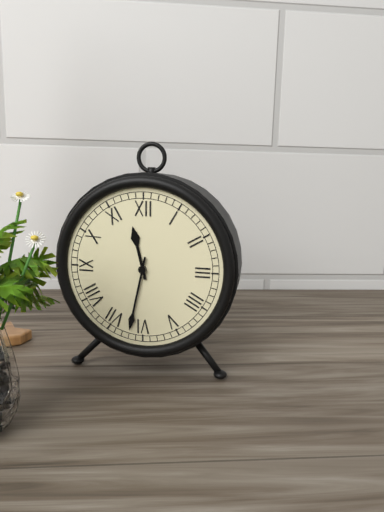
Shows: 11:32
